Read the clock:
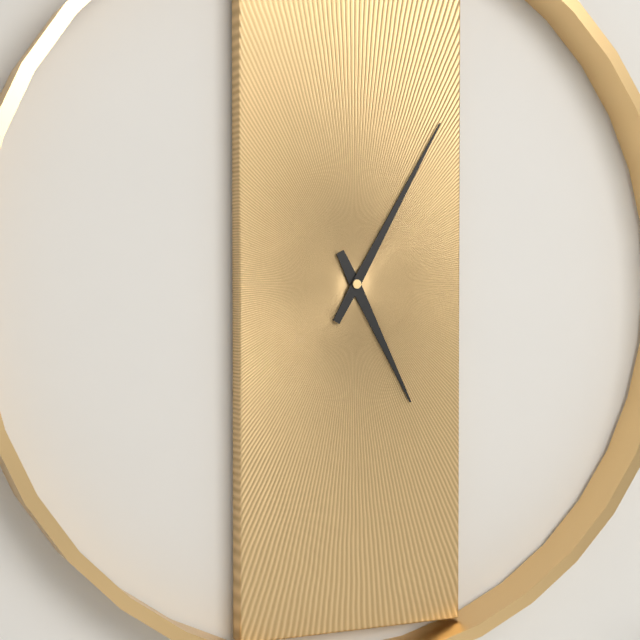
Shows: 5:05
